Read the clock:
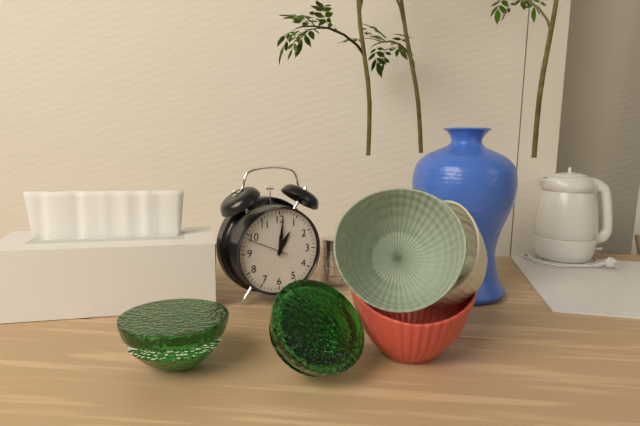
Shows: 1:01
